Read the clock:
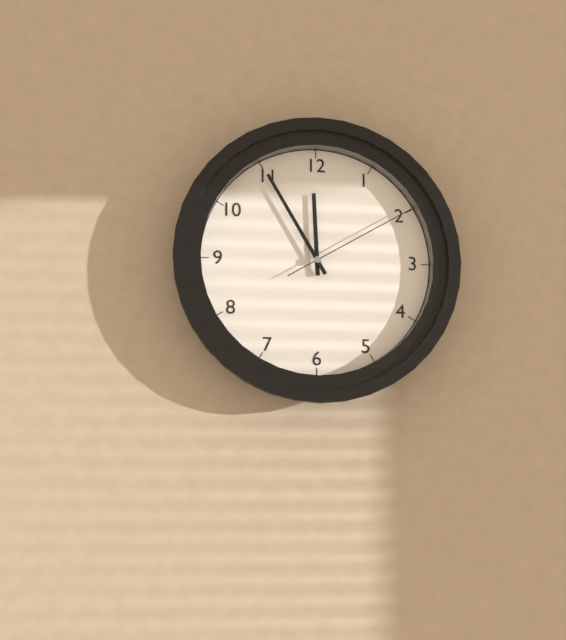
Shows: 11:55:10
